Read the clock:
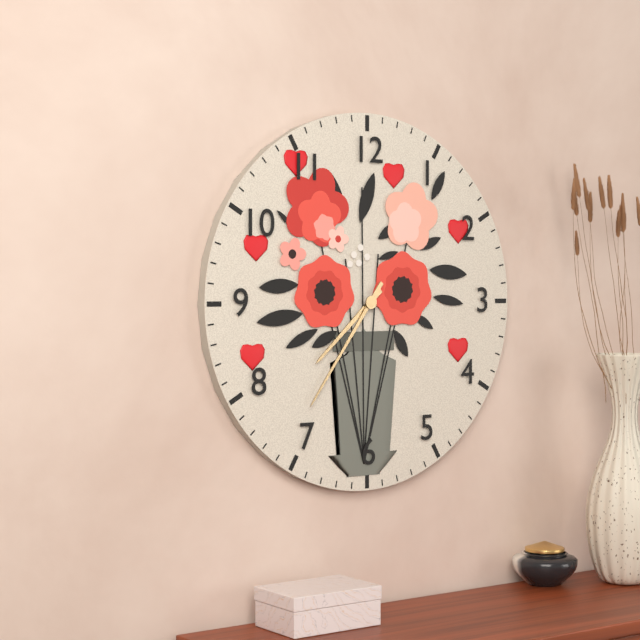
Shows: 7:36
